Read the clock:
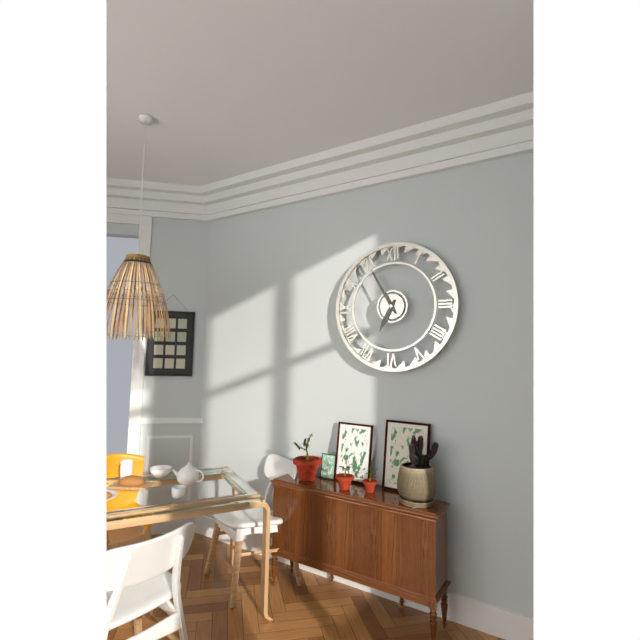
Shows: 6:55
